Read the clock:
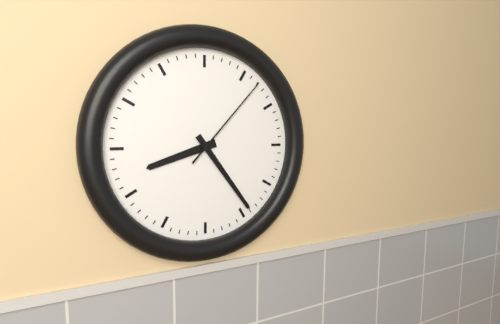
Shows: 8:24:07
